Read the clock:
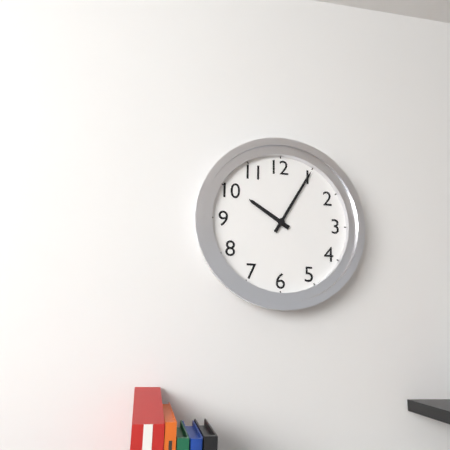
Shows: 10:05
